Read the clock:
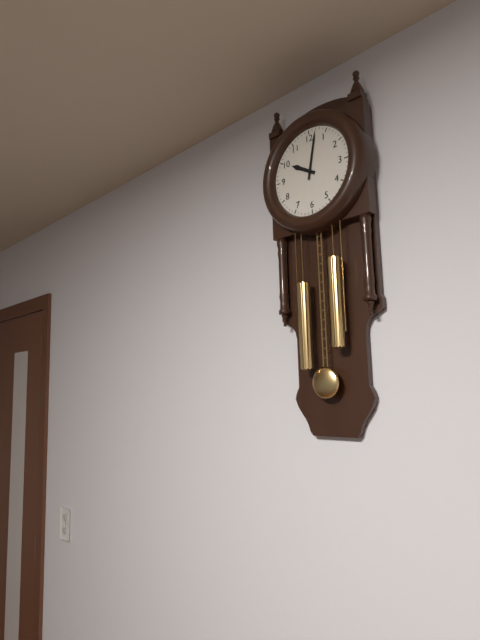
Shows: 10:02
